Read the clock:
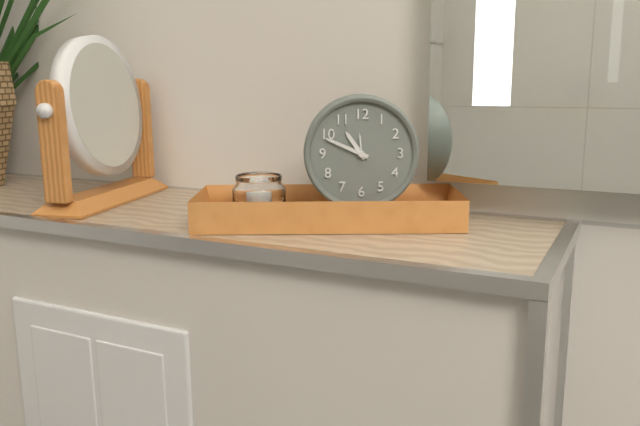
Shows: 10:49
